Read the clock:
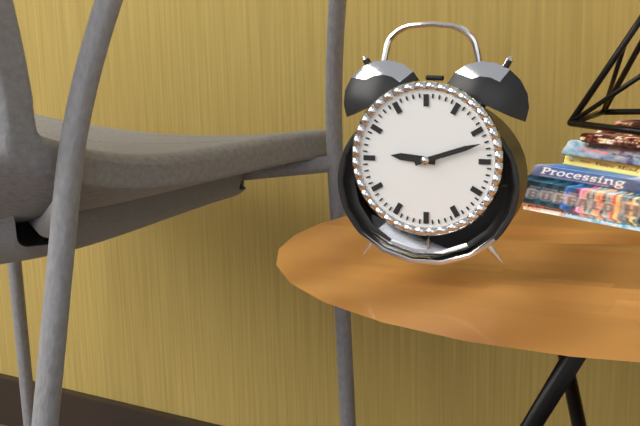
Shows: 9:12
